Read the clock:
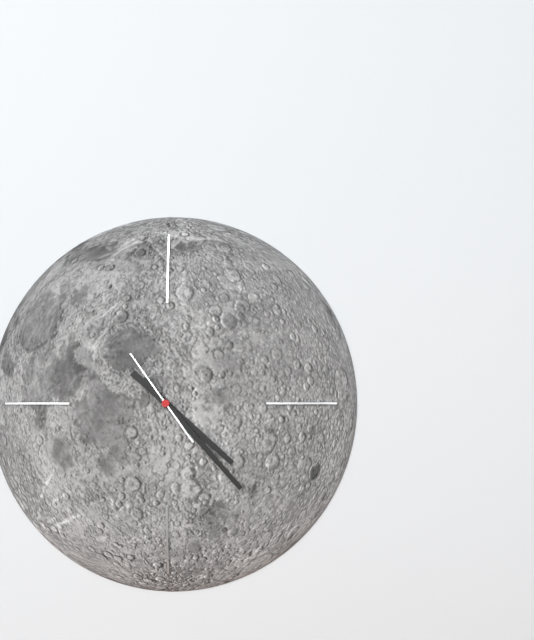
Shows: 4:23:54
